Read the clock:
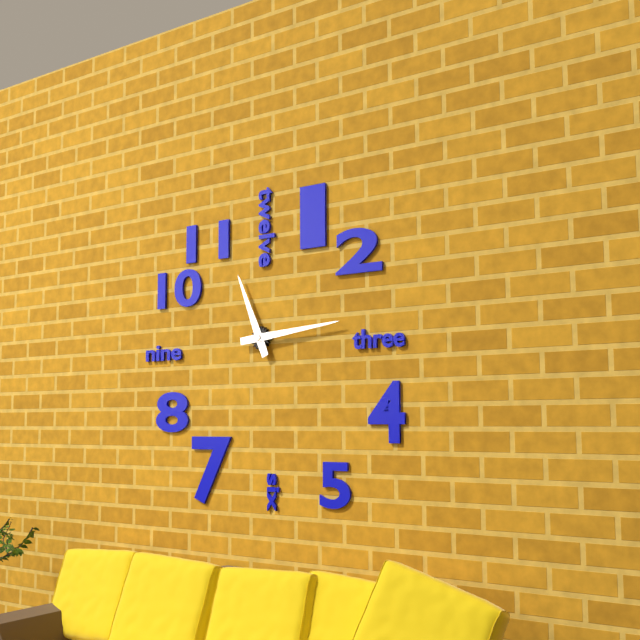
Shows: 11:14
